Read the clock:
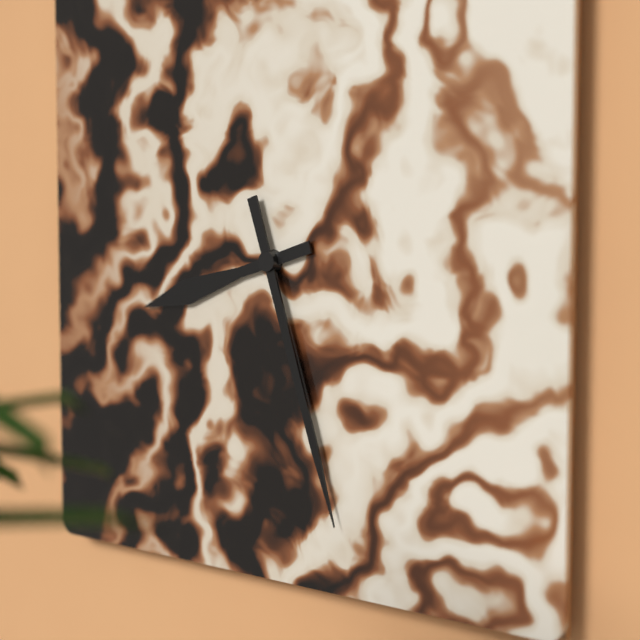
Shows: 8:27
